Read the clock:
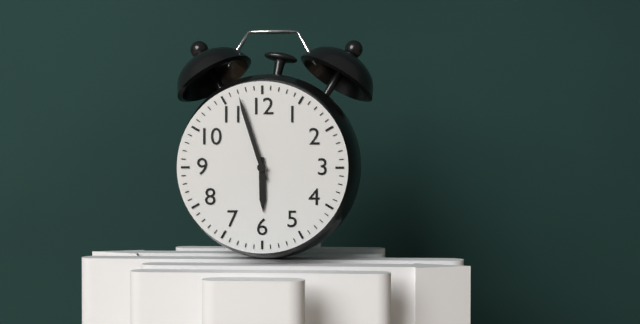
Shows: 5:57
